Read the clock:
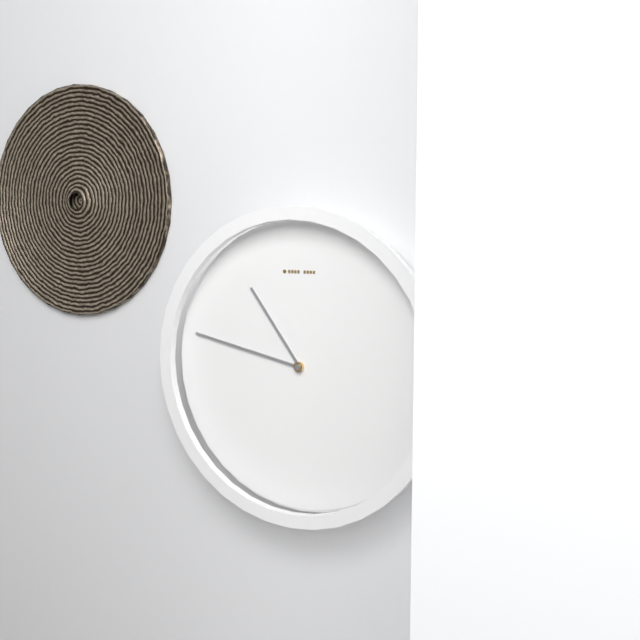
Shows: 10:47
